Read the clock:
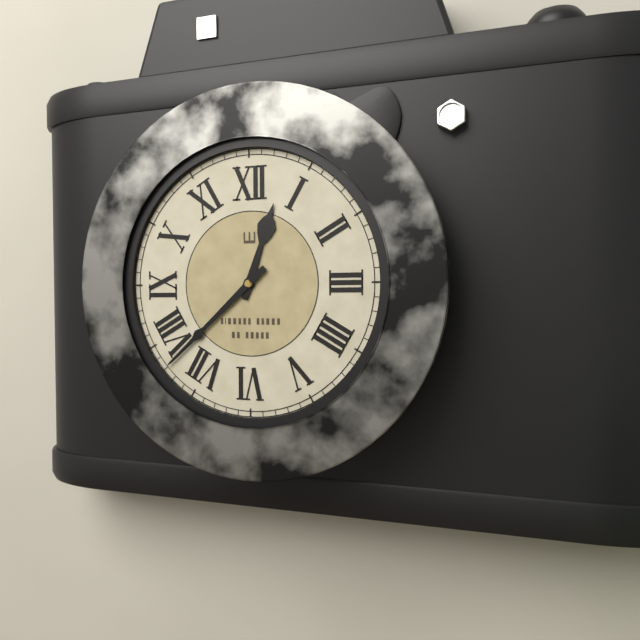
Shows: 12:38
